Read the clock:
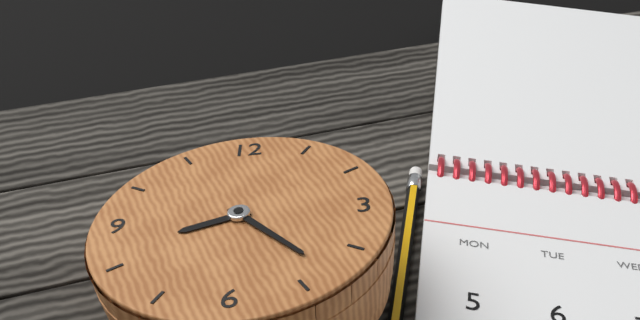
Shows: 8:23
